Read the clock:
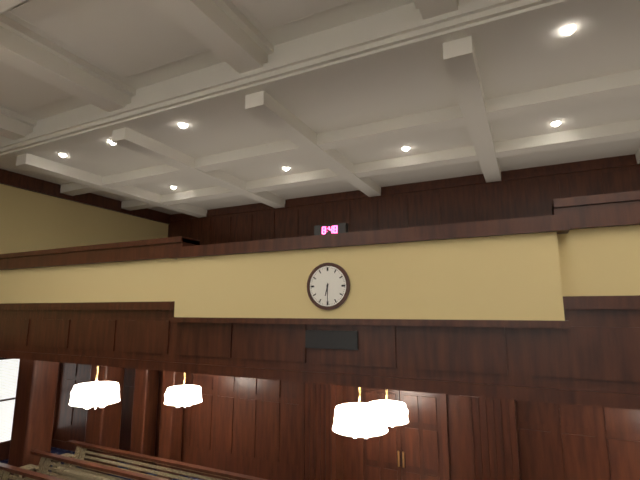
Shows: 6:30
